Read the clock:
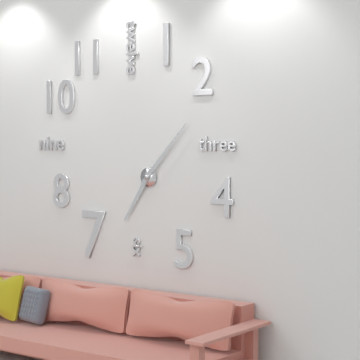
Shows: 7:07
